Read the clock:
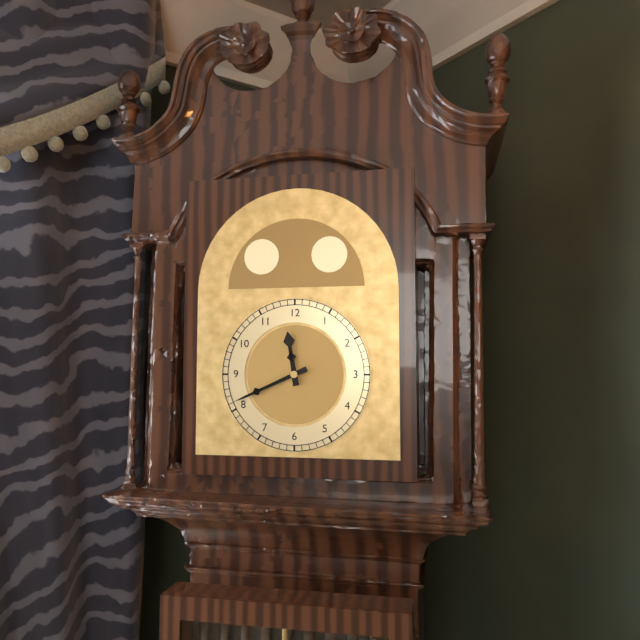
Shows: 11:41
